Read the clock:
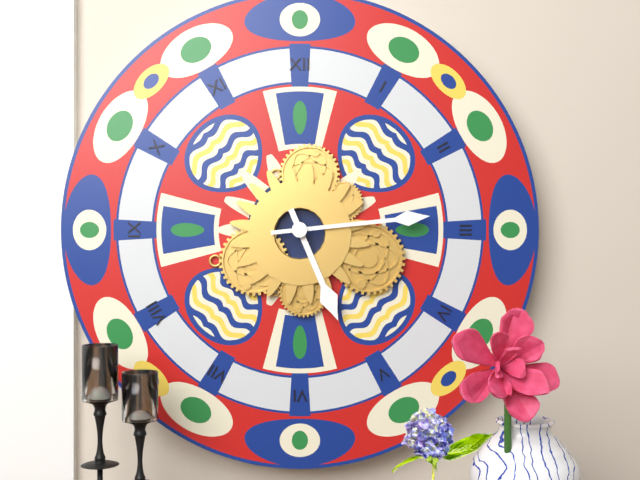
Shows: 5:14
